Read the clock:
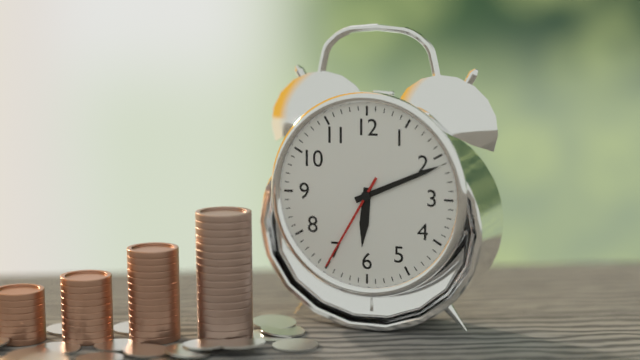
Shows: 6:11:35
